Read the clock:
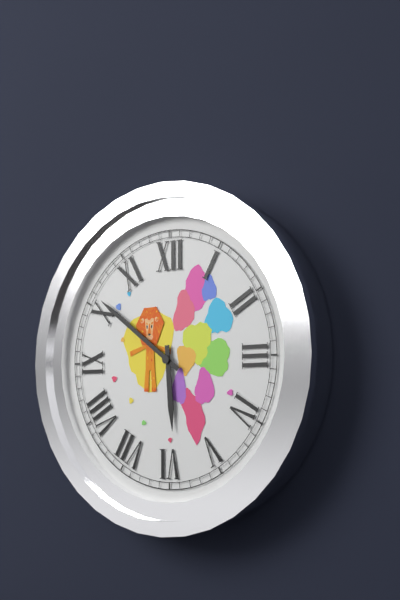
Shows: 5:51
